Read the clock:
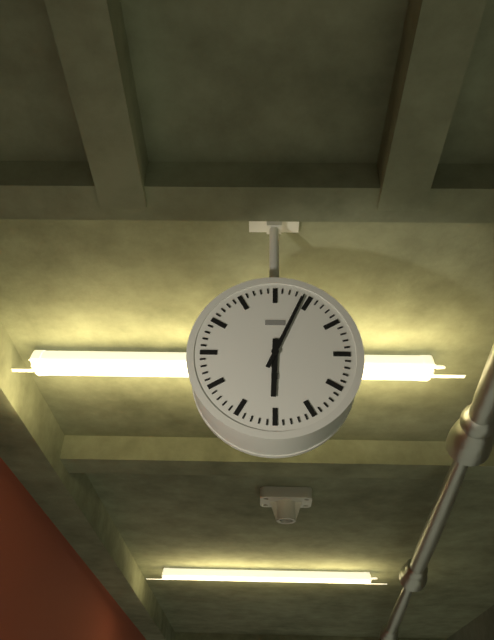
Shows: 6:04
